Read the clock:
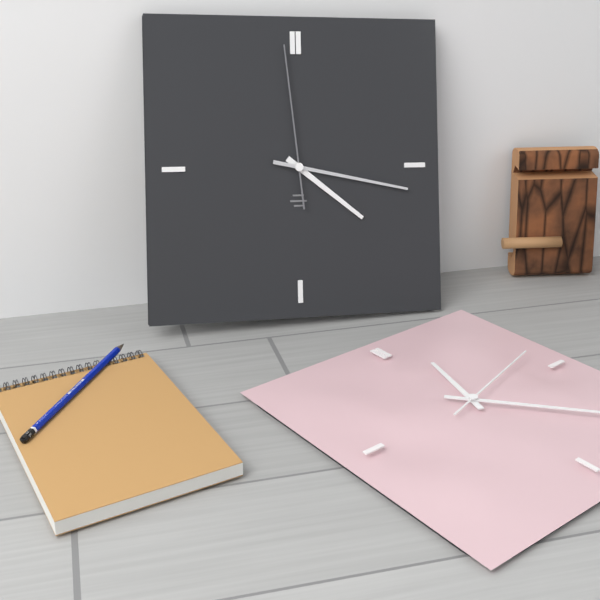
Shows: 4:17:59
